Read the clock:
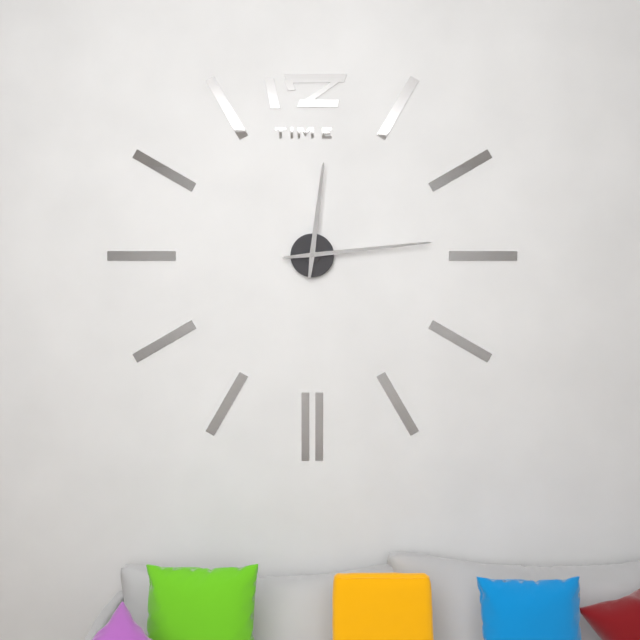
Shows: 12:14
